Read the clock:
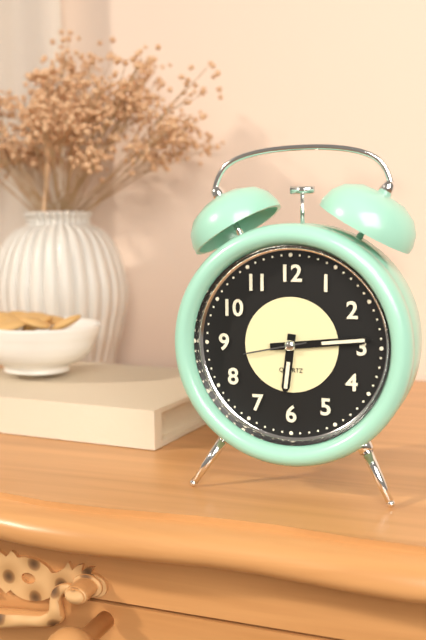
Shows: 6:14:43
